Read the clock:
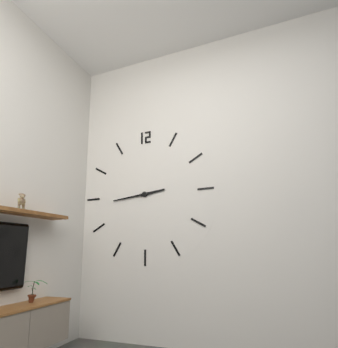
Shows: 2:44
